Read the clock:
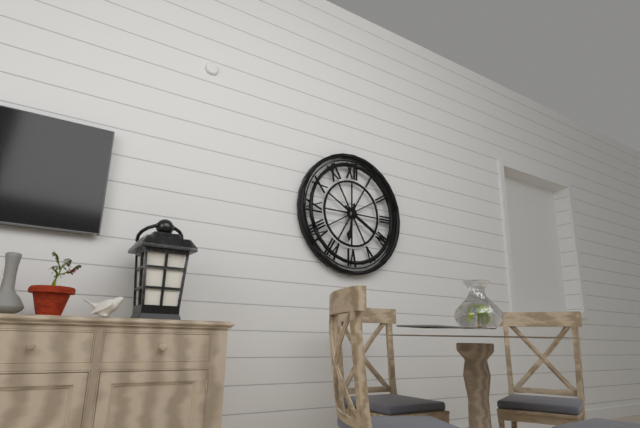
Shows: 6:20
